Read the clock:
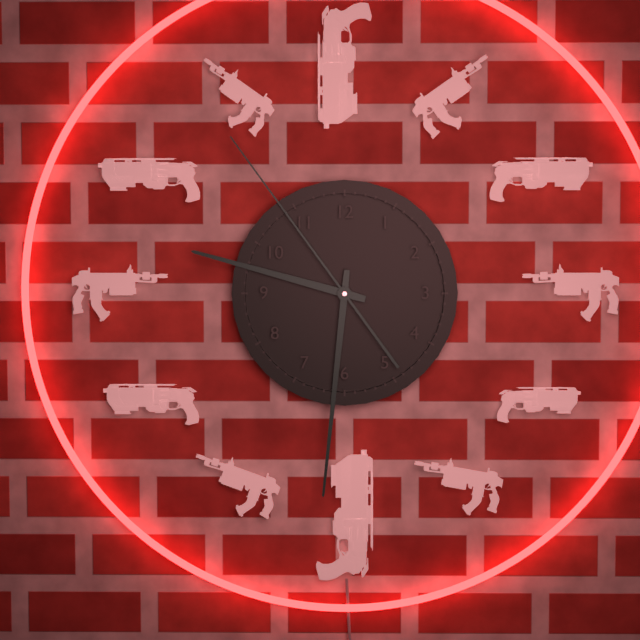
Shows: 9:31:54
